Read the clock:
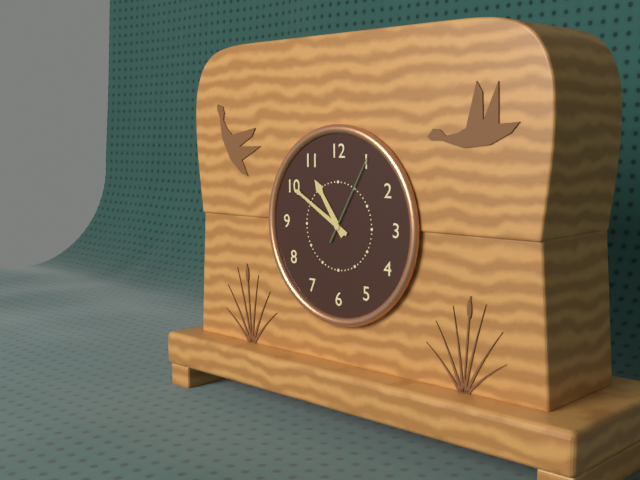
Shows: 10:50:05
